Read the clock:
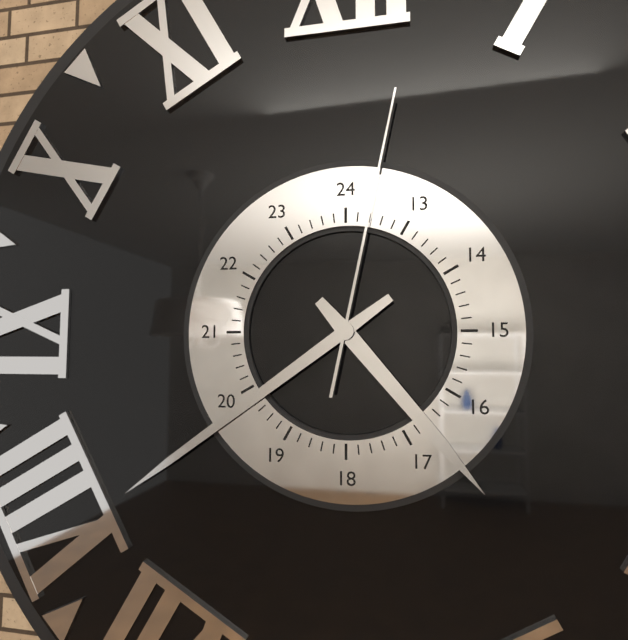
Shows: 4:39:02
